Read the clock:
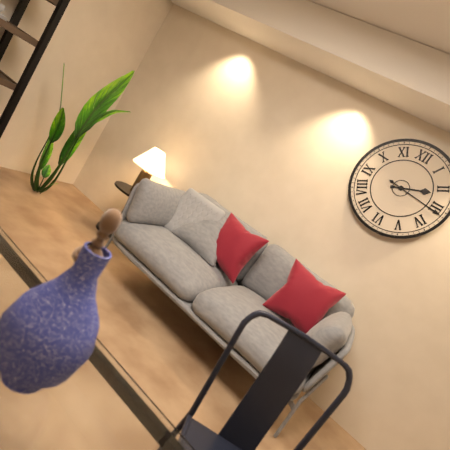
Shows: 2:16
